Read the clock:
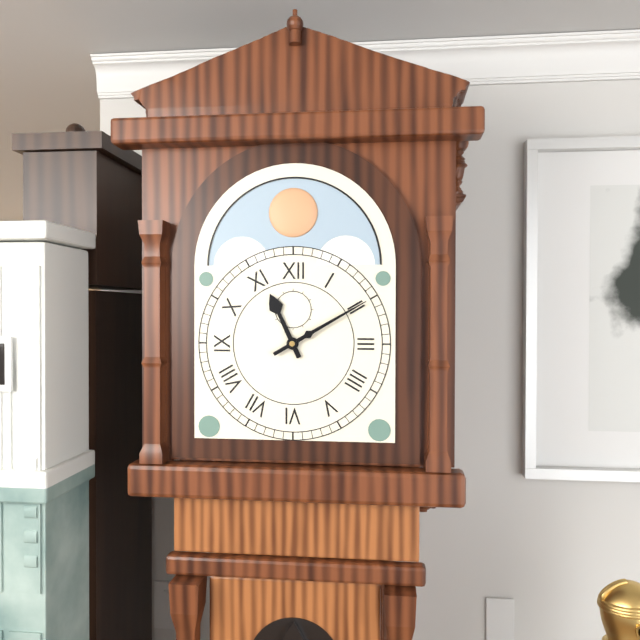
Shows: 11:10
